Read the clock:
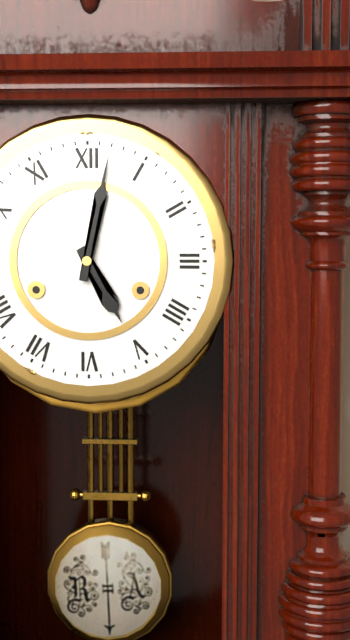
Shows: 5:02
